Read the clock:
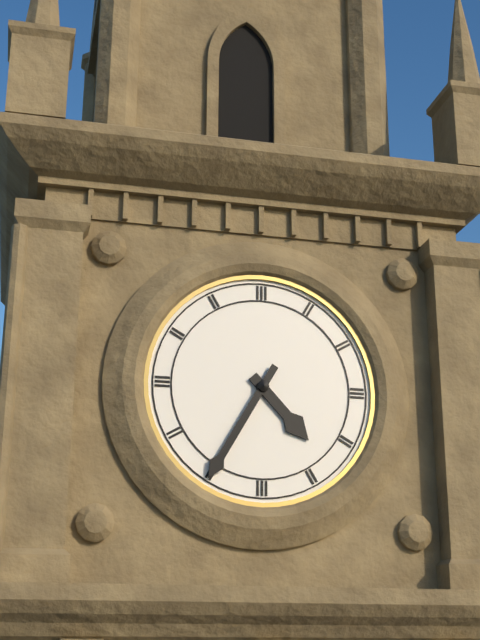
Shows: 4:35
